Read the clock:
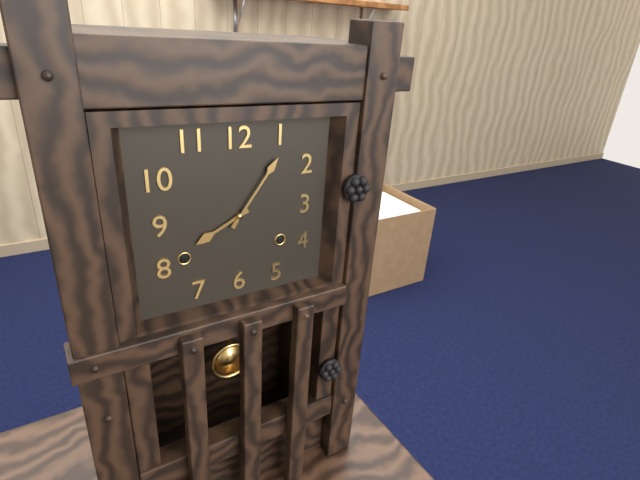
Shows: 8:06
